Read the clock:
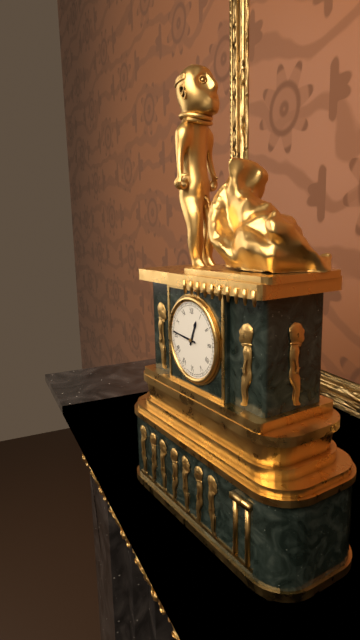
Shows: 12:46
